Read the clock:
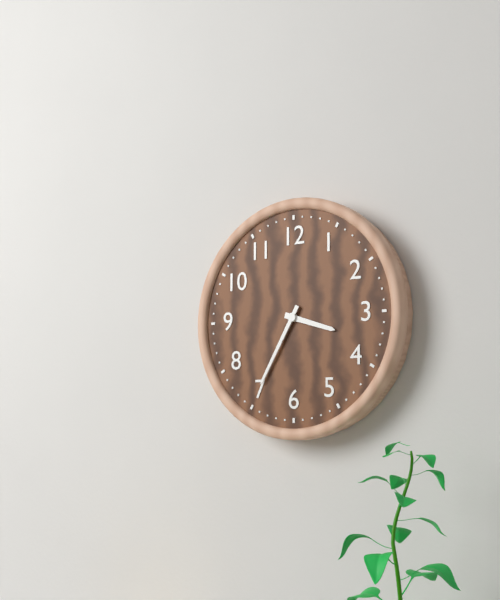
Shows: 3:35
